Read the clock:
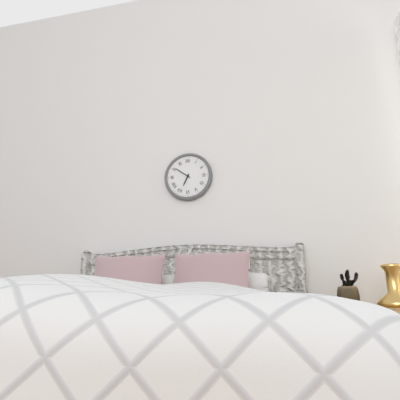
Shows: 6:51
